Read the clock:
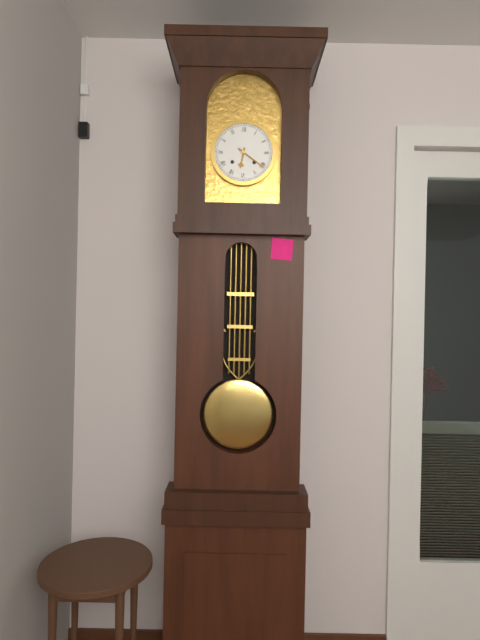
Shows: 6:21
